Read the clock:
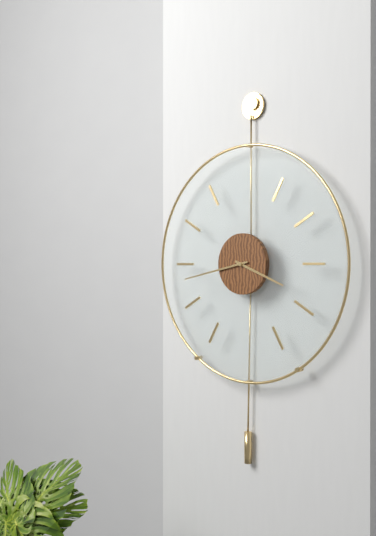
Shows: 3:43
